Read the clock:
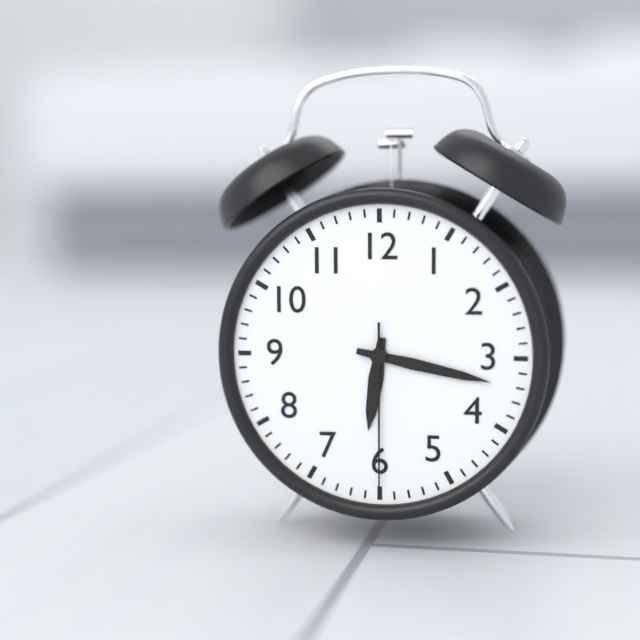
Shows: 6:17:30
